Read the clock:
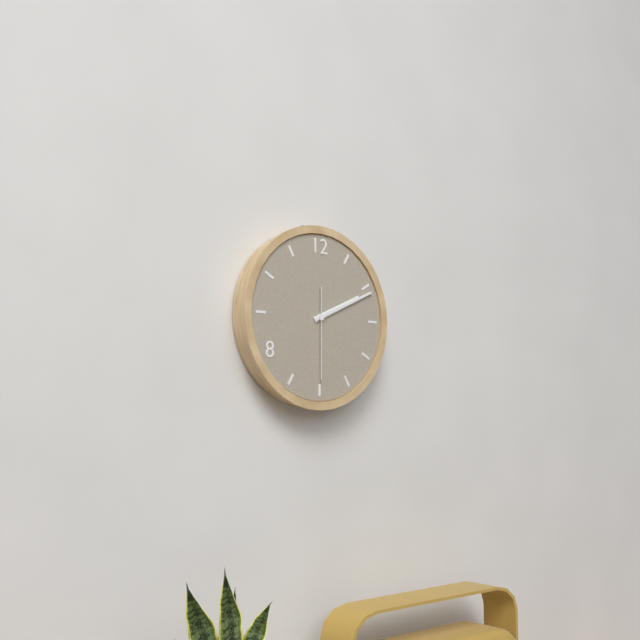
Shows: 2:11:30
